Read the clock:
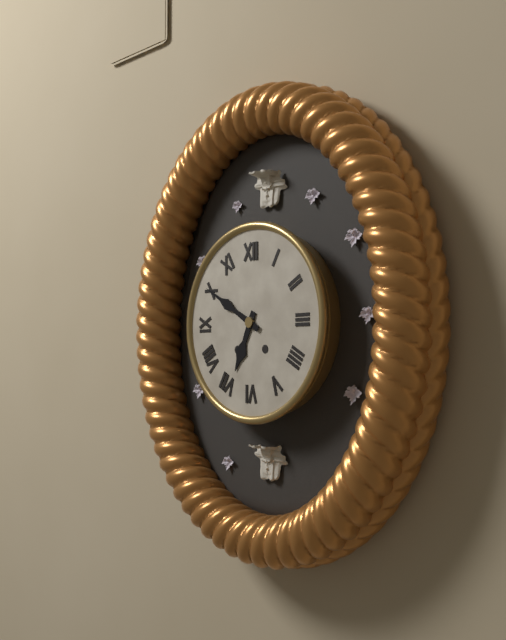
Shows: 6:50
